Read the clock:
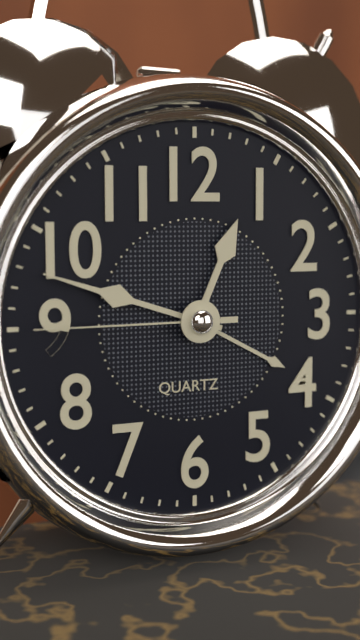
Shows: 12:48:45
